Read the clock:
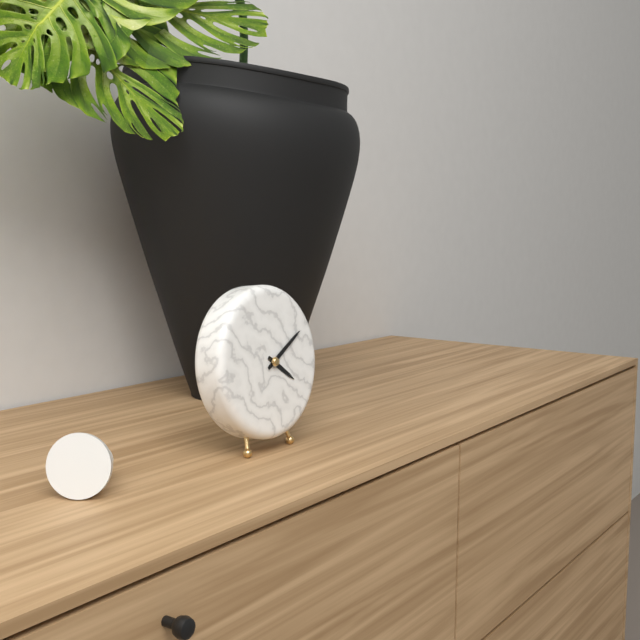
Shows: 4:10
